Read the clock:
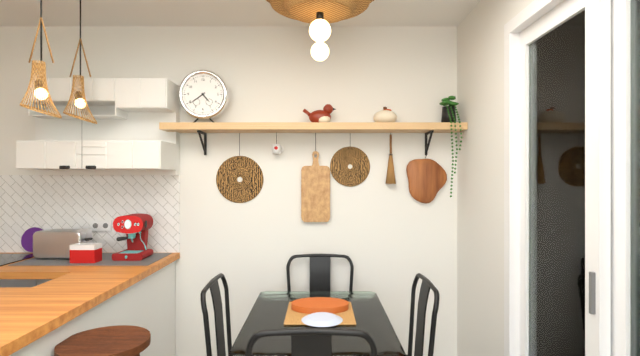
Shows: 4:39
